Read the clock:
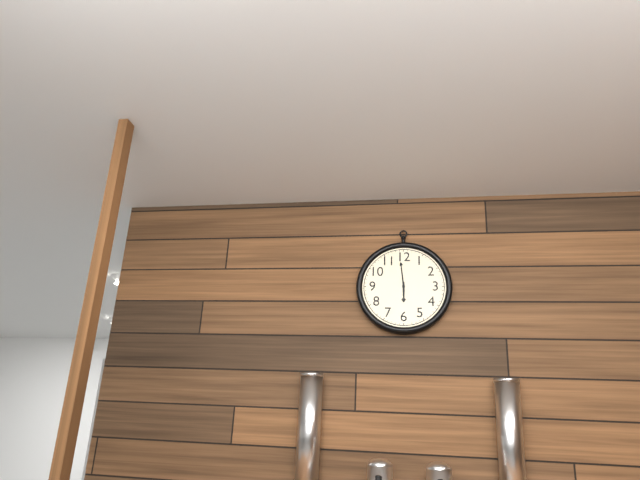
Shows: 5:59
